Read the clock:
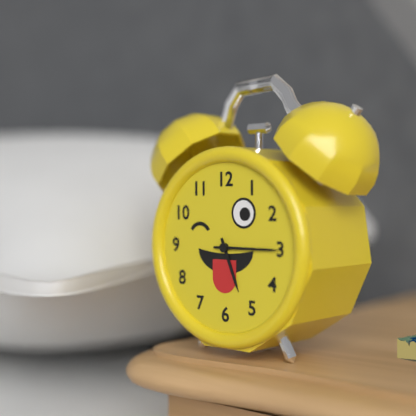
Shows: 5:15
